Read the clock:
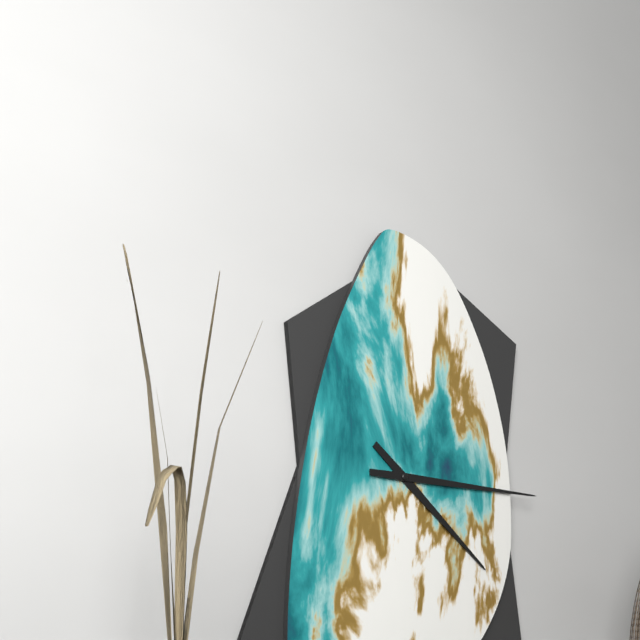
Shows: 4:15
